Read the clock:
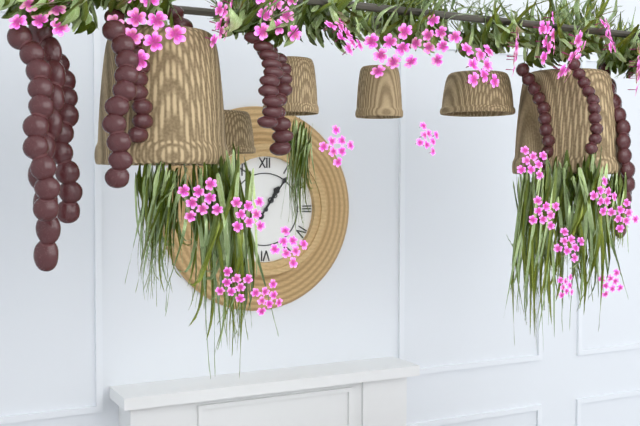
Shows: 1:06
